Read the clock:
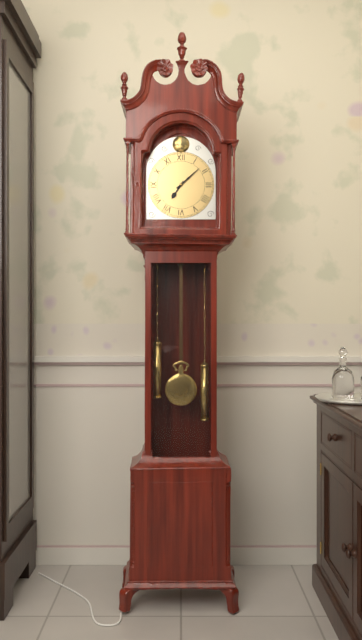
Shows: 7:08
